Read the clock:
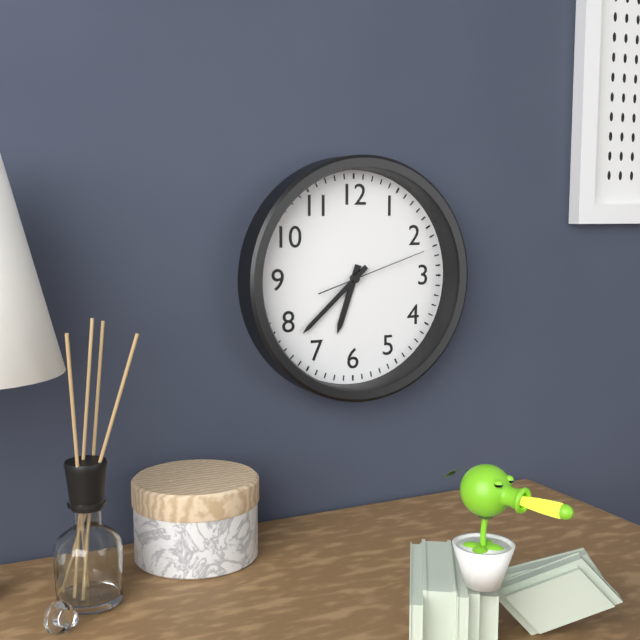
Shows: 6:38:12
